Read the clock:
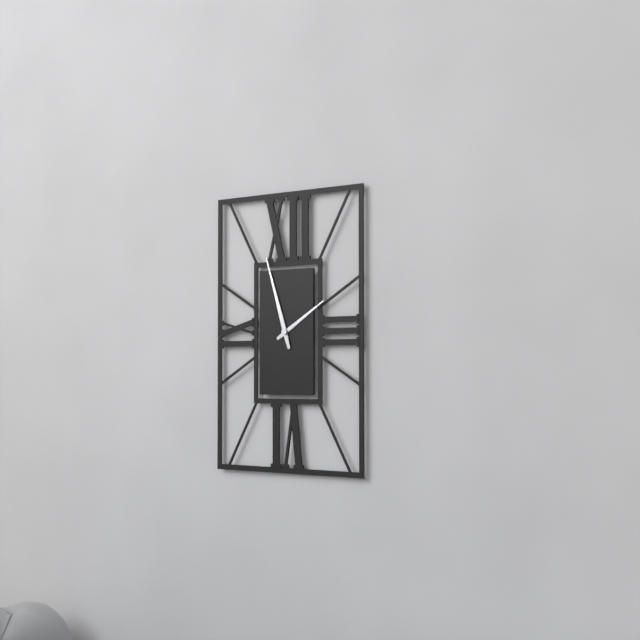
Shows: 1:57
